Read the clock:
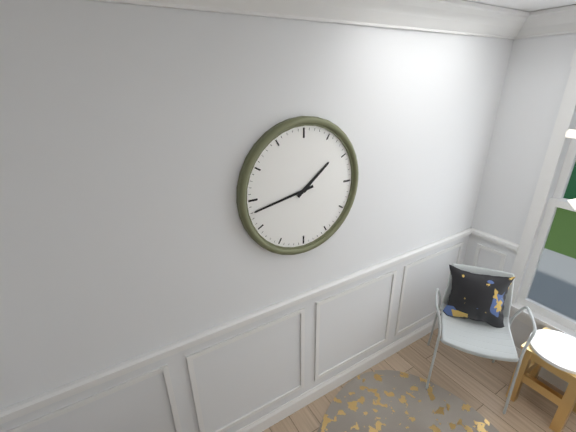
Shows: 1:43
